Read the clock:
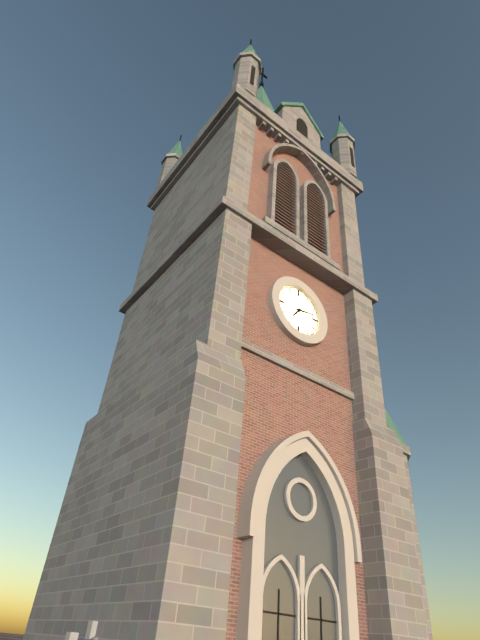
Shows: 7:13
